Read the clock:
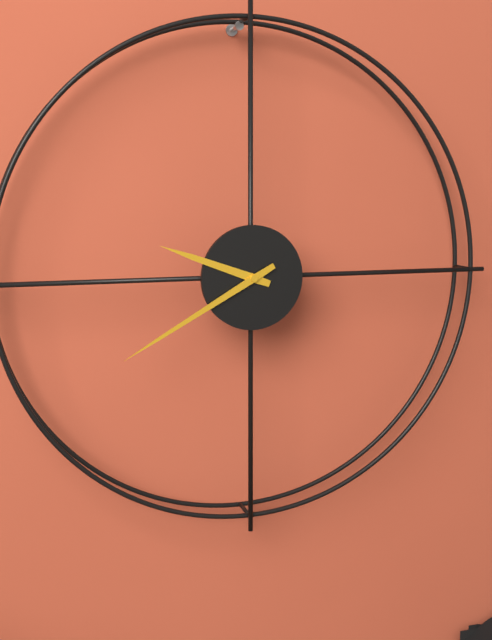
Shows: 9:40
